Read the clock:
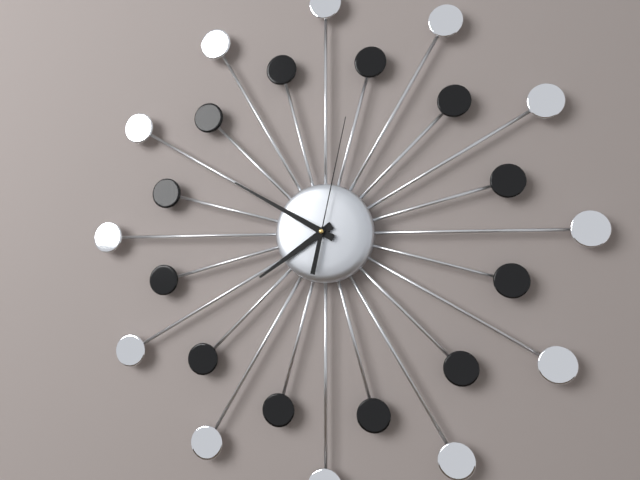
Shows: 7:50:02
